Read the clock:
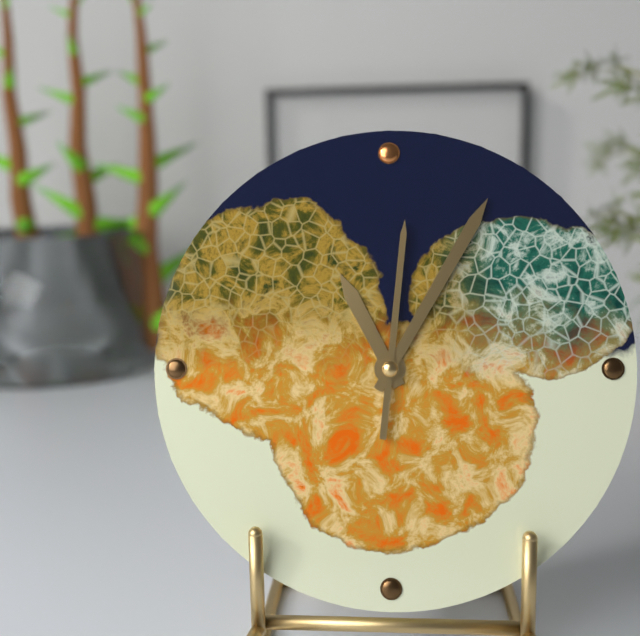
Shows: 11:05:01
